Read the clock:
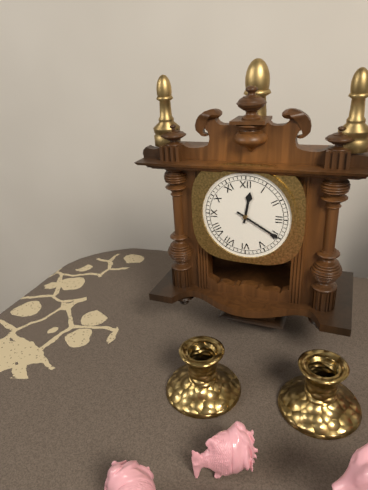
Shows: 12:20
